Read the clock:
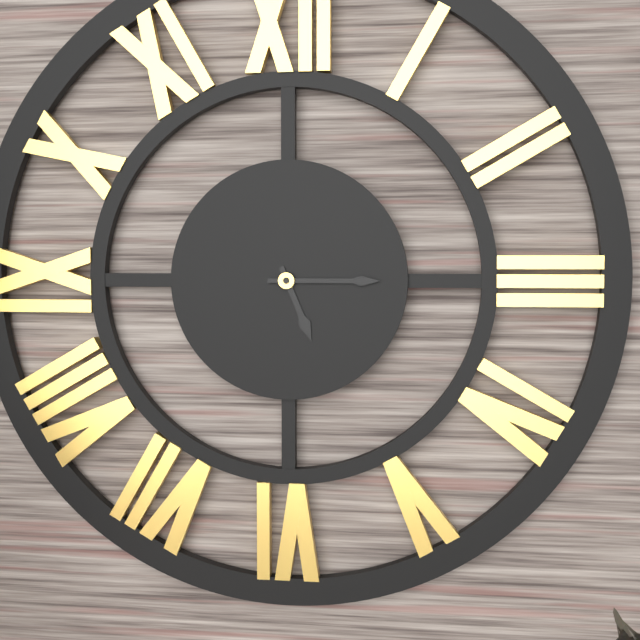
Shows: 5:15
